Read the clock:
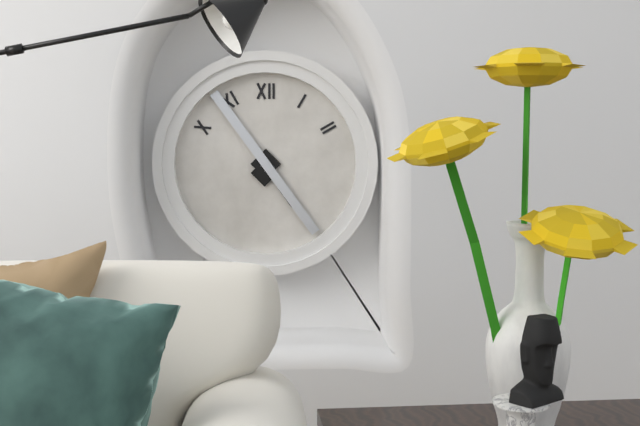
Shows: 4:54
